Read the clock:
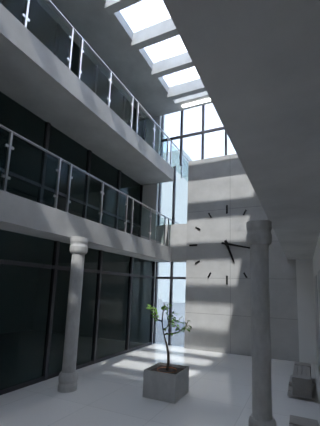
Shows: 5:17
